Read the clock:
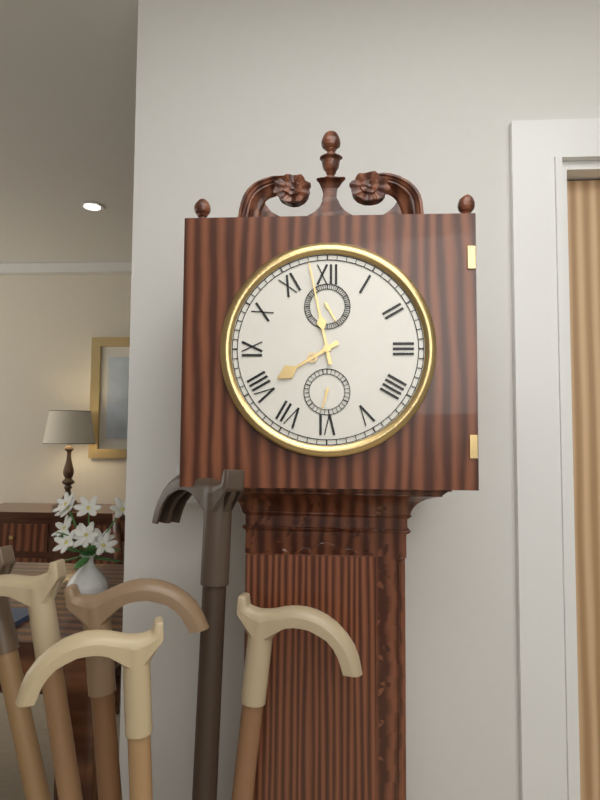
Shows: 7:58
